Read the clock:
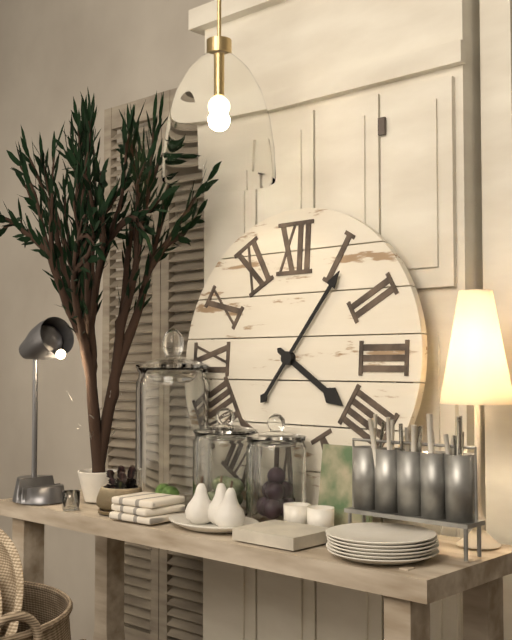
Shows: 4:06
